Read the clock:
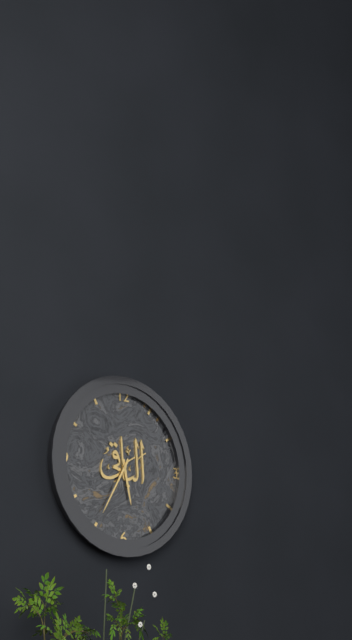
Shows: 5:35
